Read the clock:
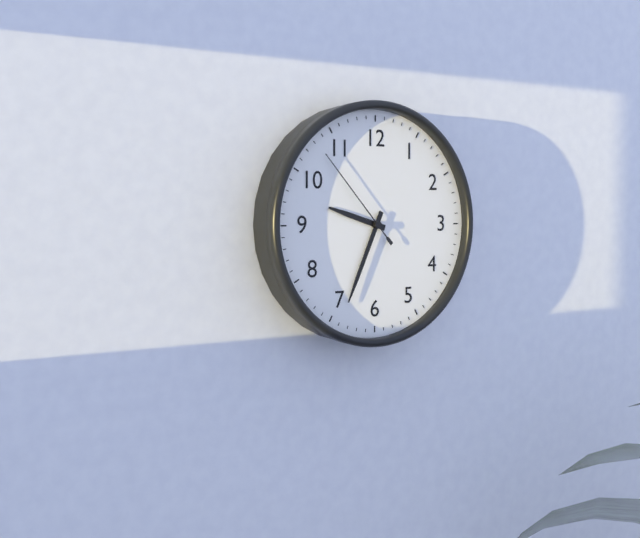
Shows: 9:34:53
